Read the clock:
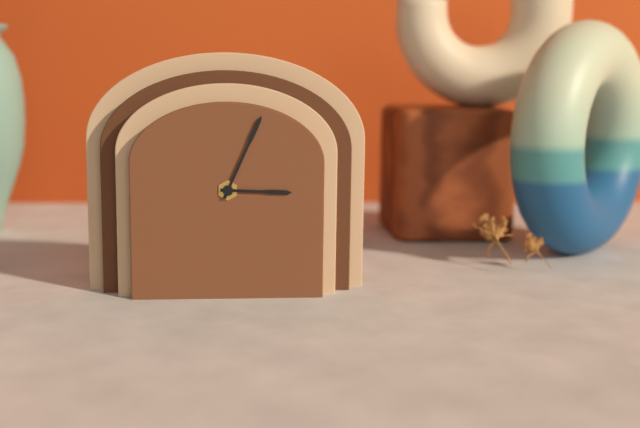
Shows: 3:04
